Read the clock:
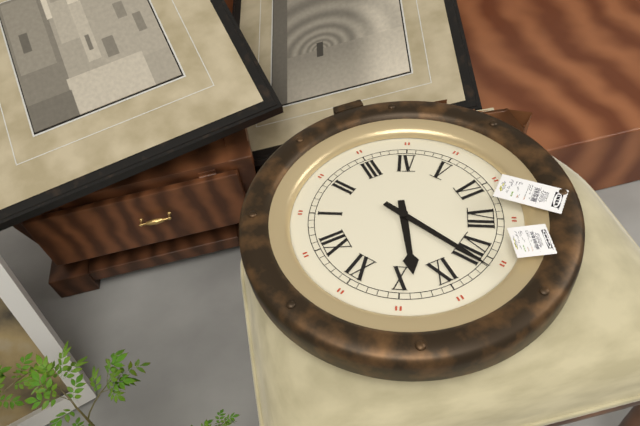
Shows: 9:41
